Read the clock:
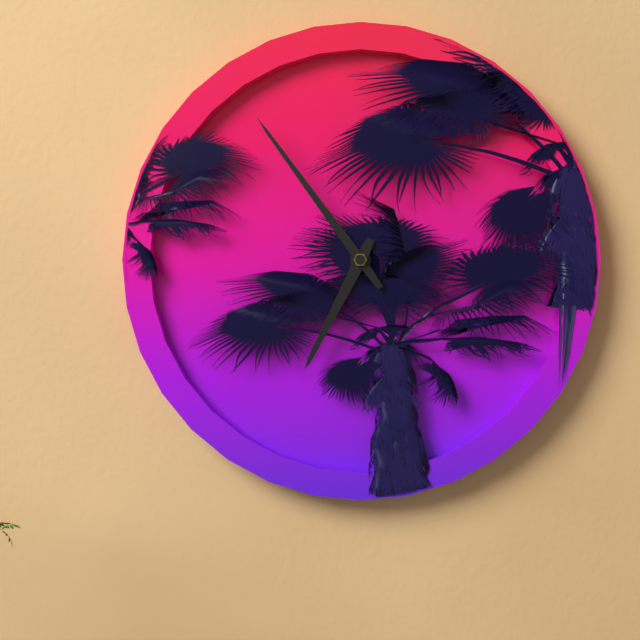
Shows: 6:54
